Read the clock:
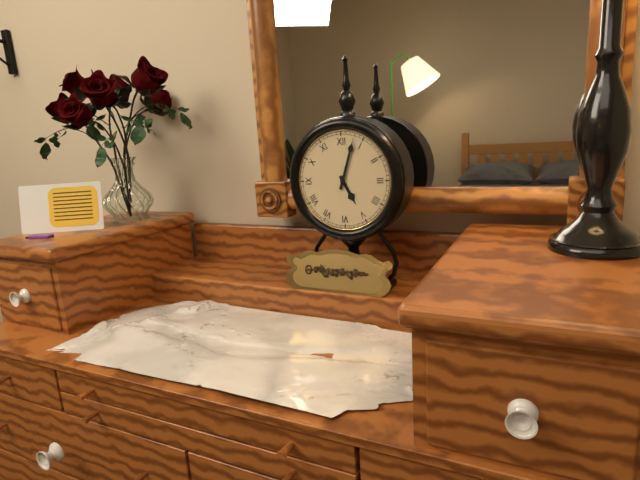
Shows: 5:03
